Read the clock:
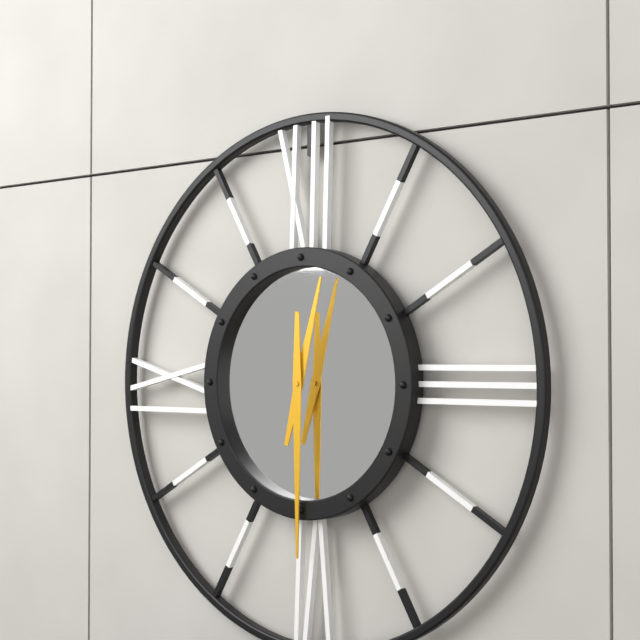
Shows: 12:30
